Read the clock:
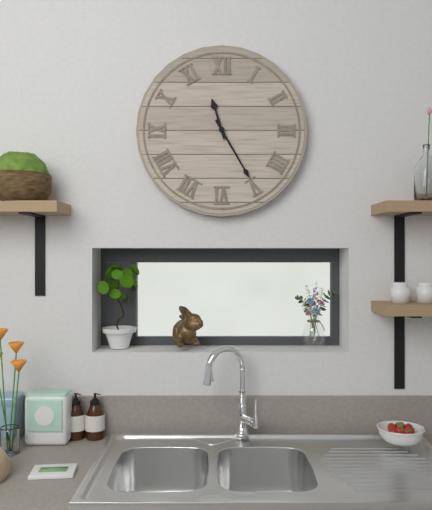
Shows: 11:25
